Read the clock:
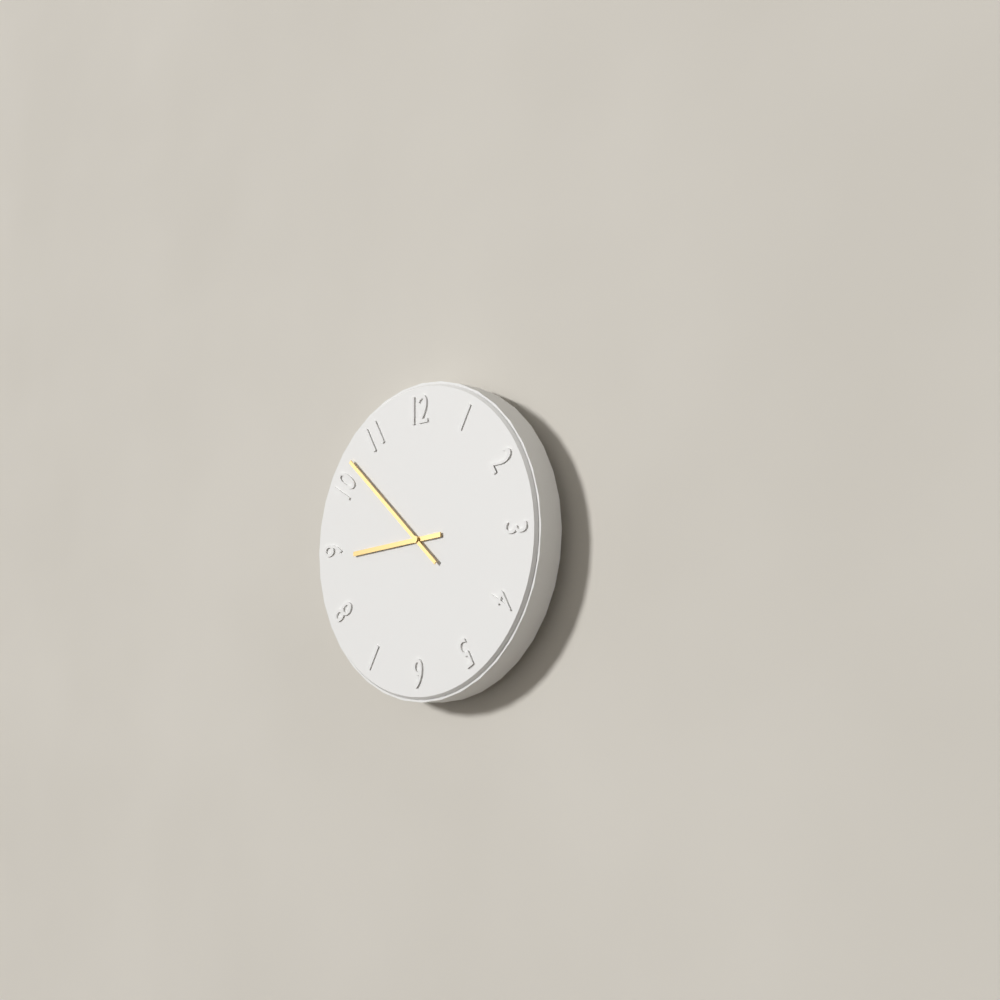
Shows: 8:52
